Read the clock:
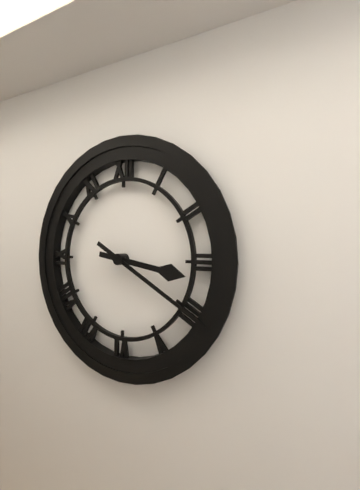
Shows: 3:20
